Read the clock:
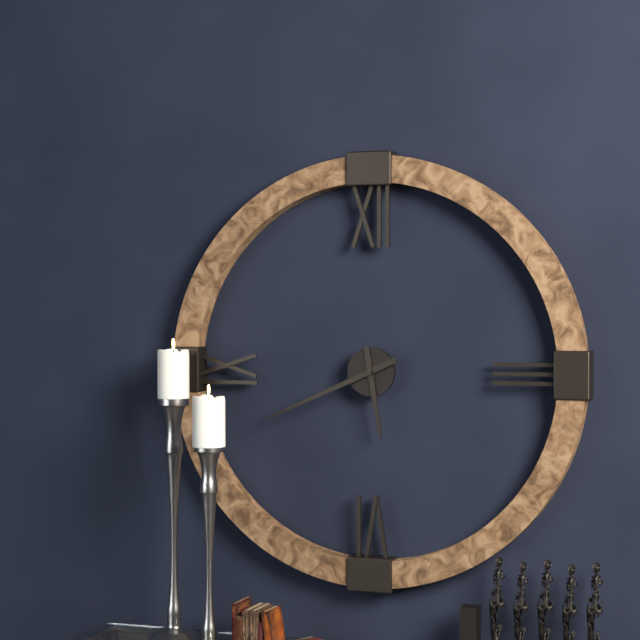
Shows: 5:41
